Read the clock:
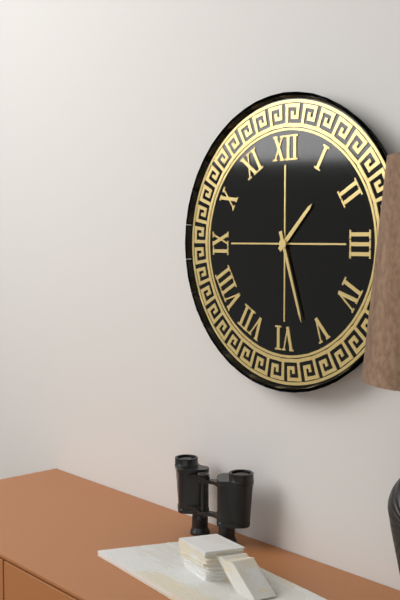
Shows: 1:27
